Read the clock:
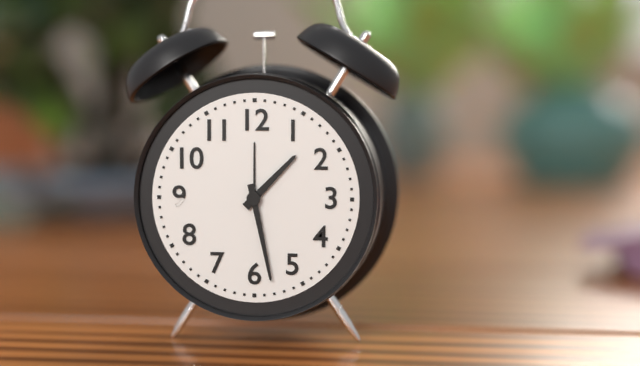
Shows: 1:28
